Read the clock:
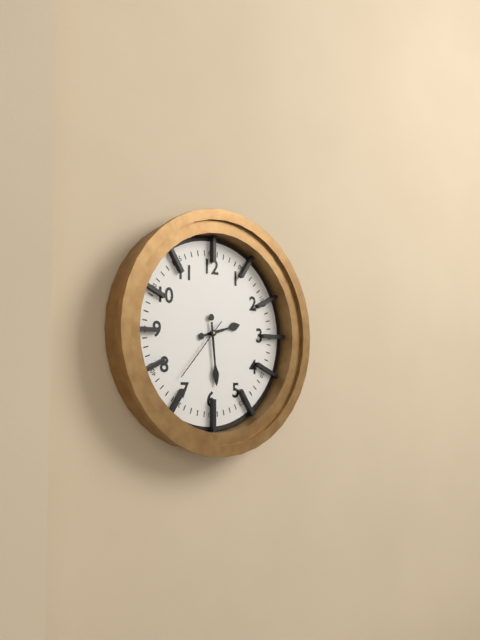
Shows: 2:29:37
